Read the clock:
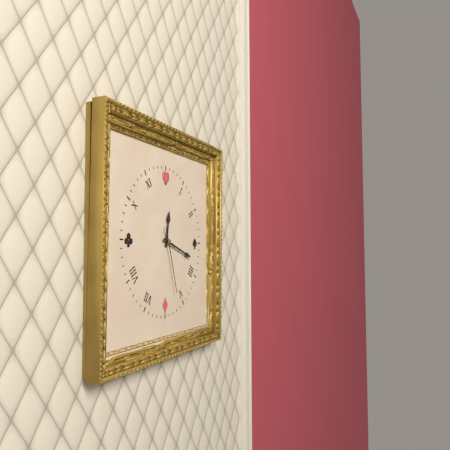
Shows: 12:18:27
